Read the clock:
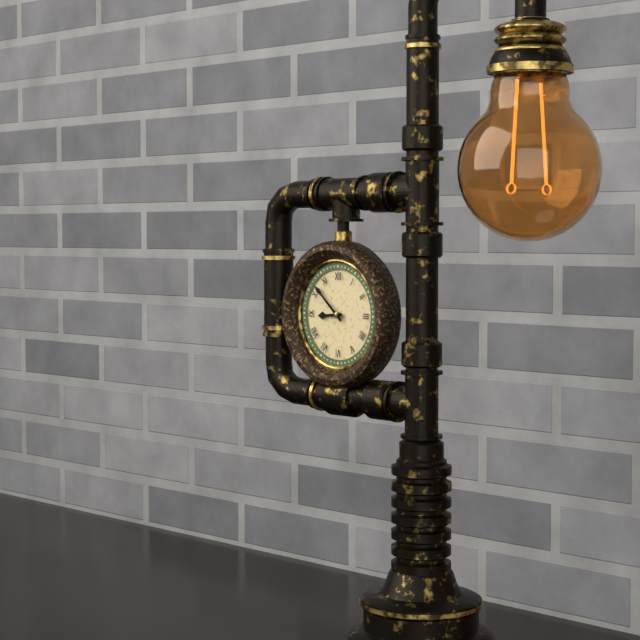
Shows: 8:52
